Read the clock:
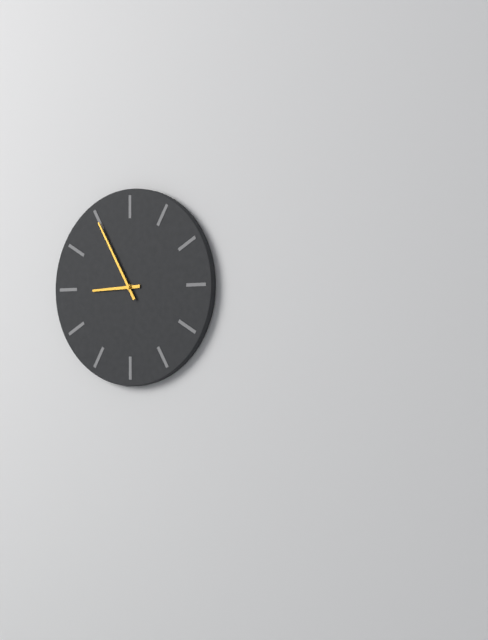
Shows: 8:55
